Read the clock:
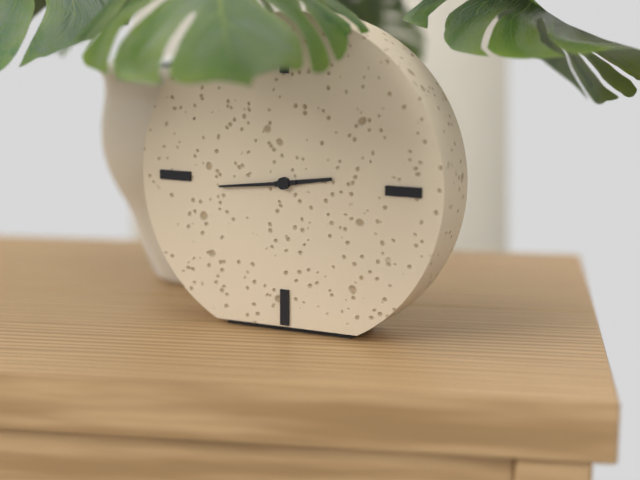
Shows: 2:44
